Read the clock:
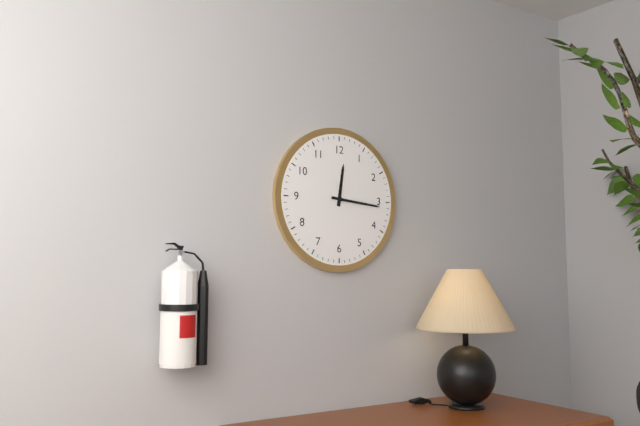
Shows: 12:16
